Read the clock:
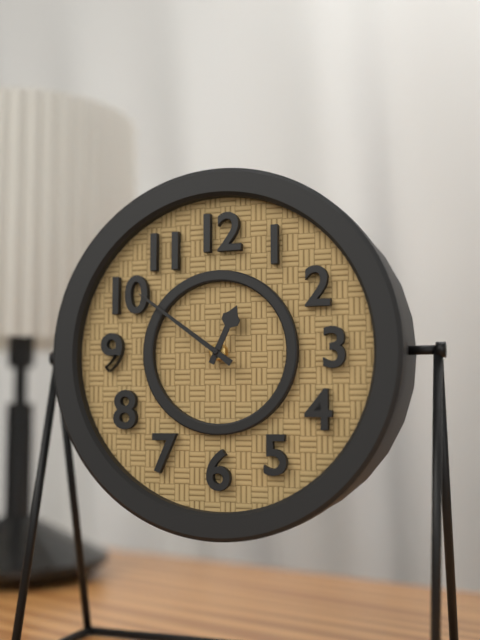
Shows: 12:51
